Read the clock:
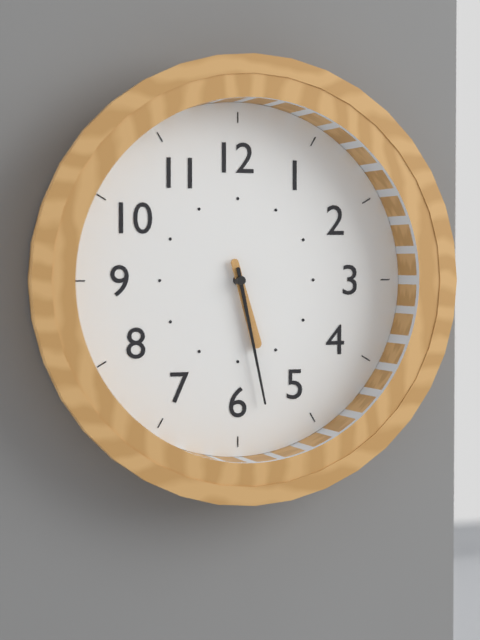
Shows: 5:28
